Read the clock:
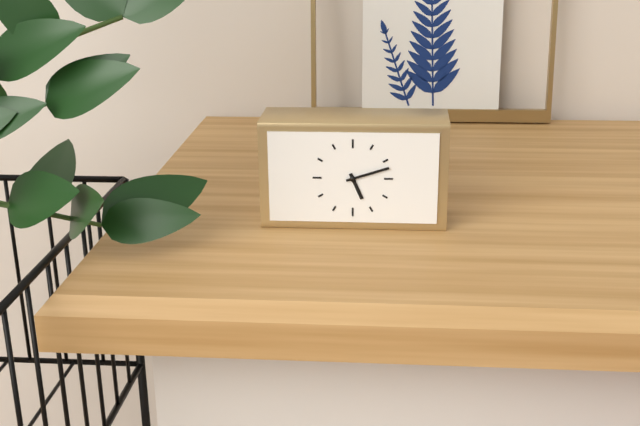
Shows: 5:12
